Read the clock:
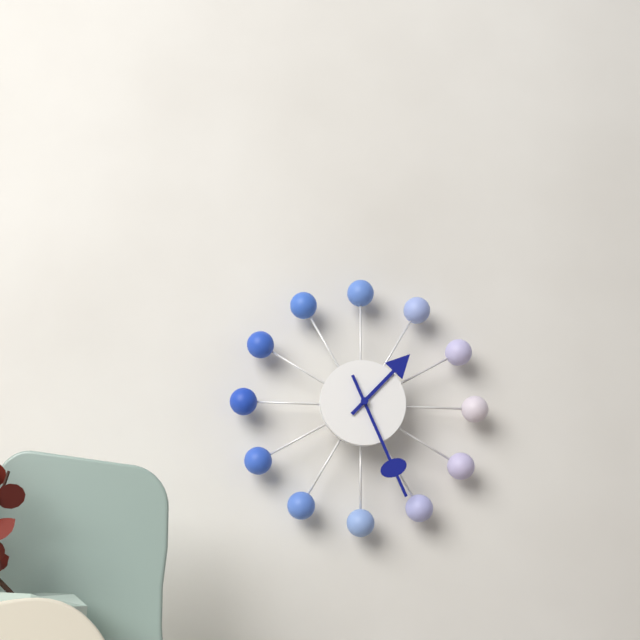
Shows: 1:26
